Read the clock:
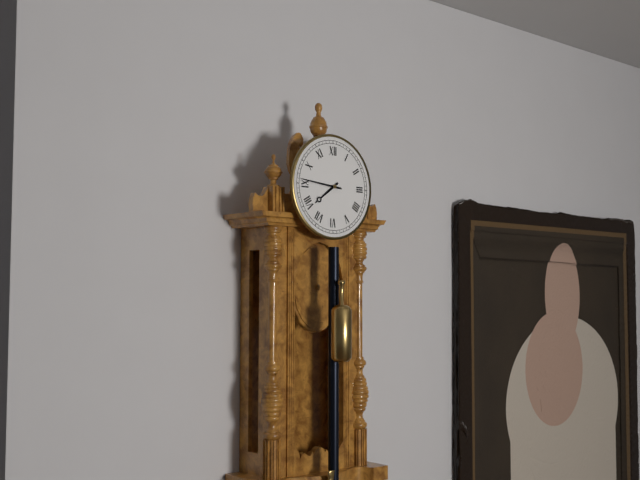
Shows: 7:46
